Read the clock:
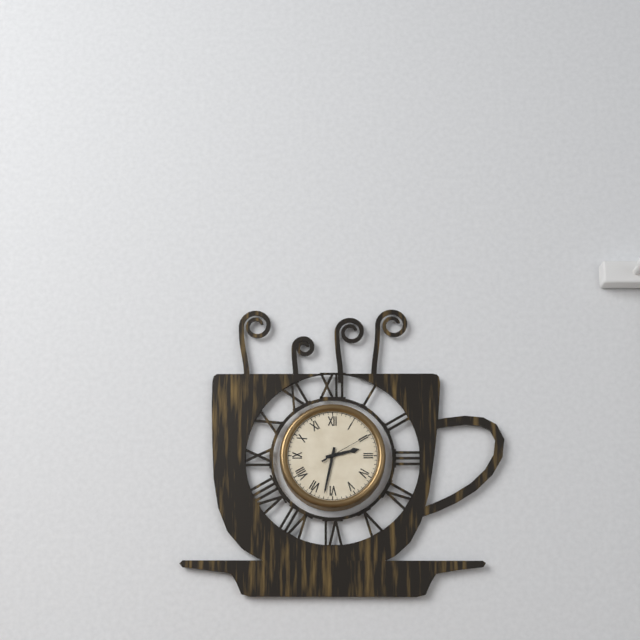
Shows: 2:32:10
